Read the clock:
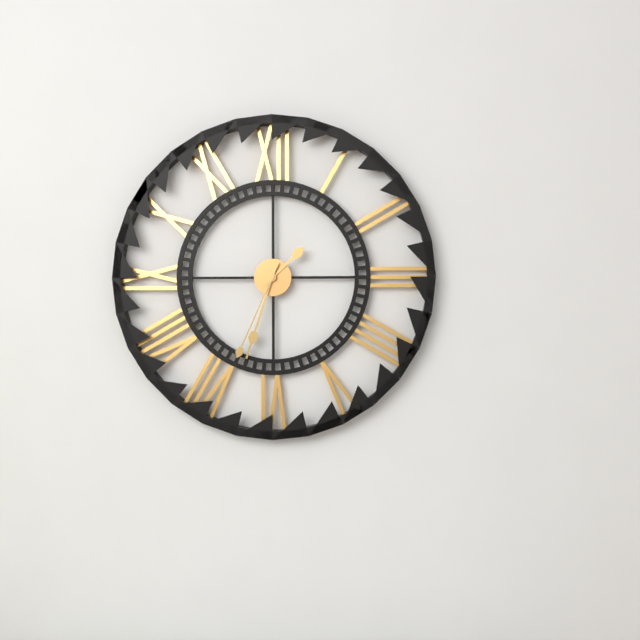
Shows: 1:33:34
